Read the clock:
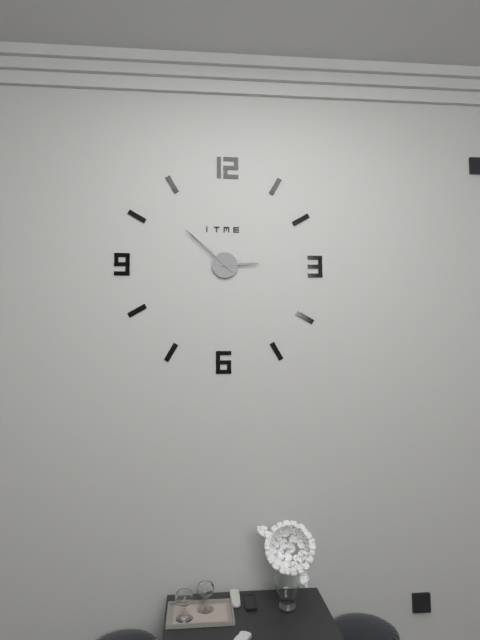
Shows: 2:52
